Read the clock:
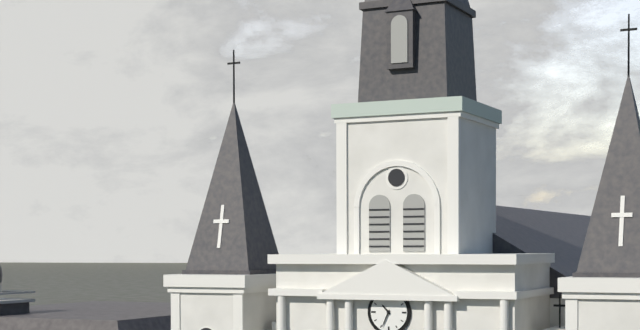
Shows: 10:34
